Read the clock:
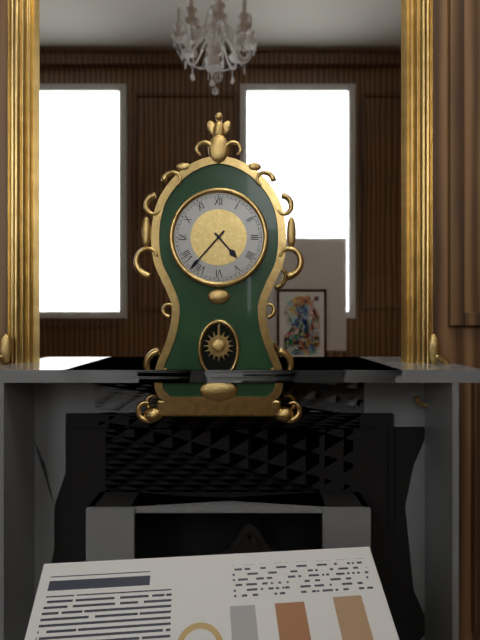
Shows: 4:37
